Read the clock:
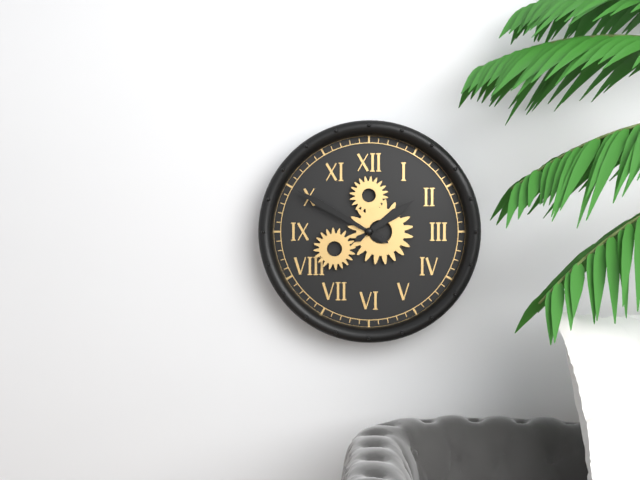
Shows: 1:50
